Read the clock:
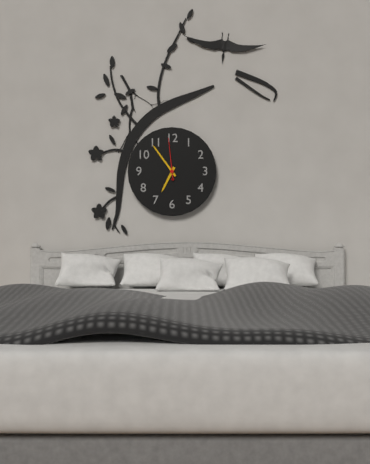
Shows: 6:54
